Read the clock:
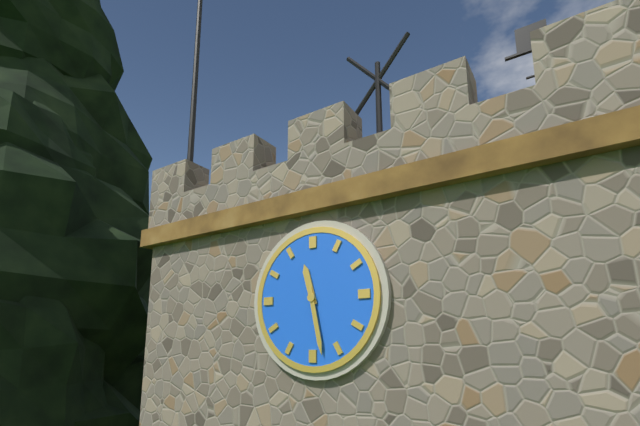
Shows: 11:28
